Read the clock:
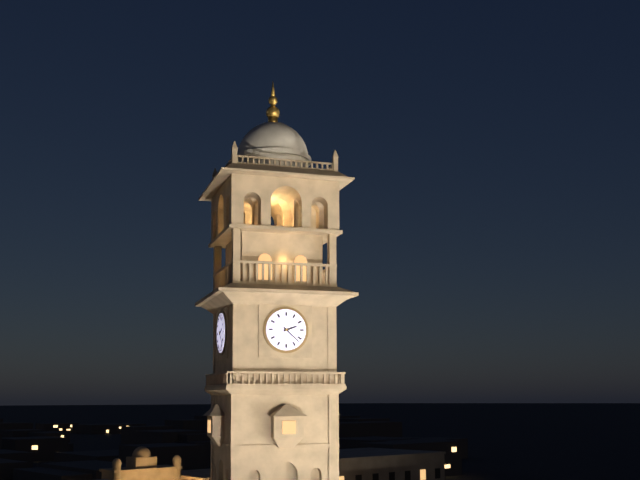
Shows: 2:22
